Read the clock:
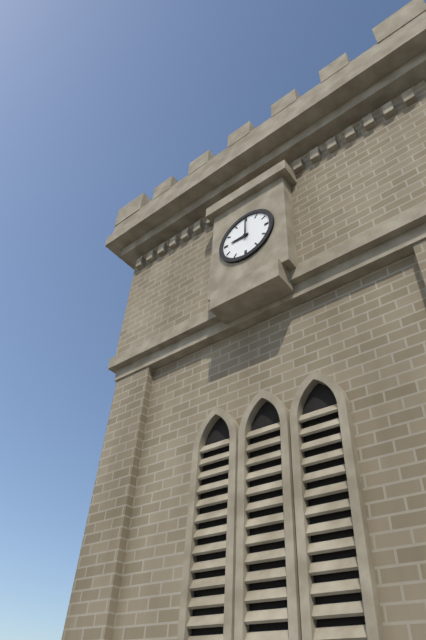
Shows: 9:00
